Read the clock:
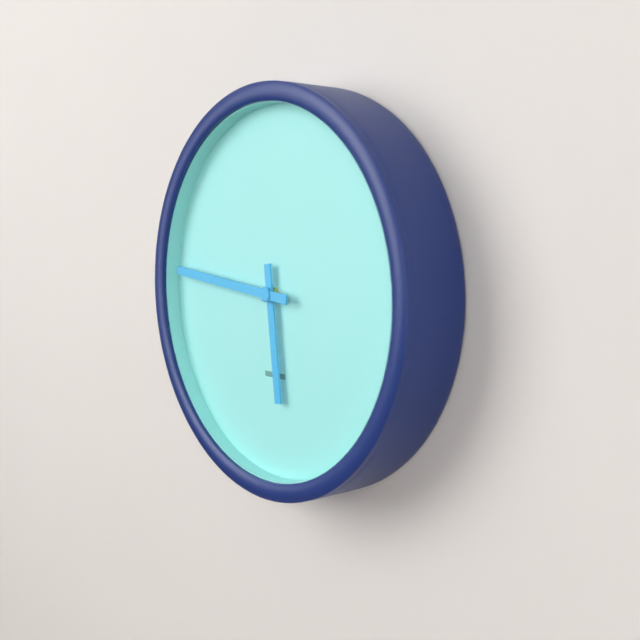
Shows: 5:46
